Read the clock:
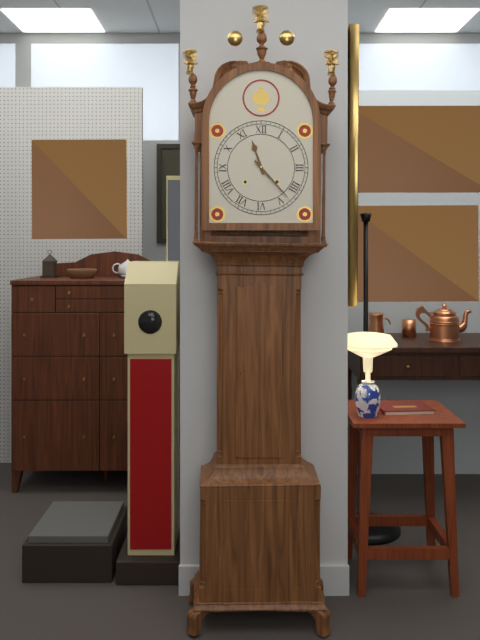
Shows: 11:23
